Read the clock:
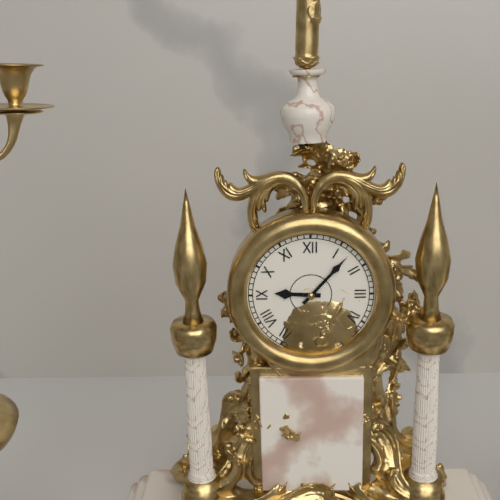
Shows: 9:07
